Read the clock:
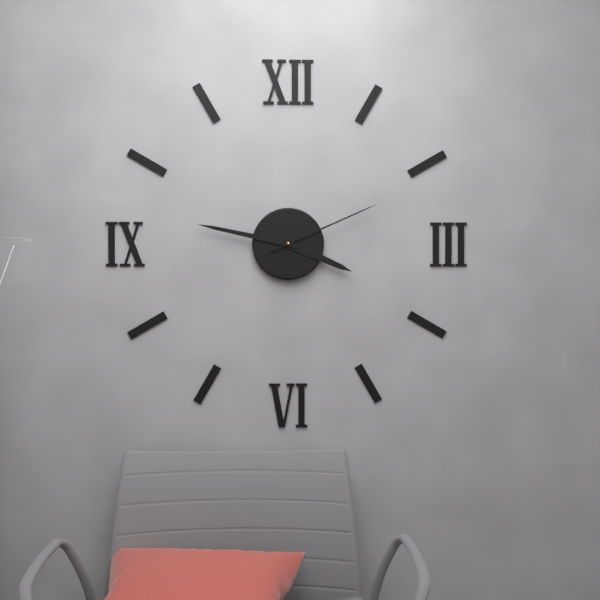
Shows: 3:47:11
